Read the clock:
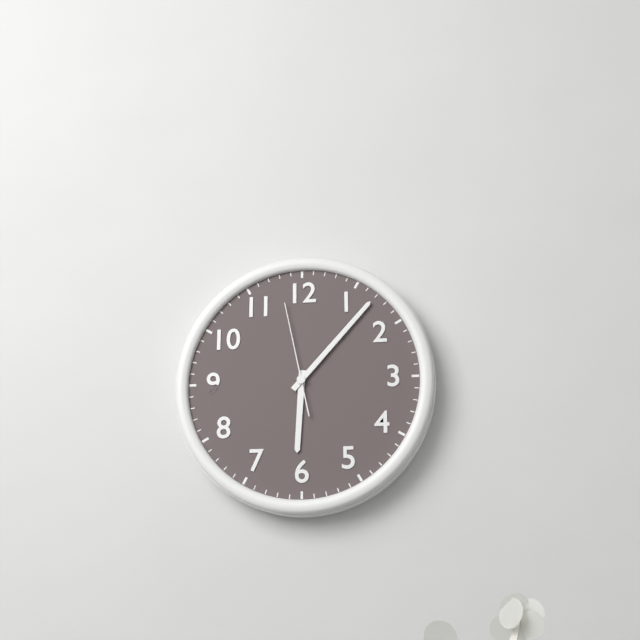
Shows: 6:07:58
